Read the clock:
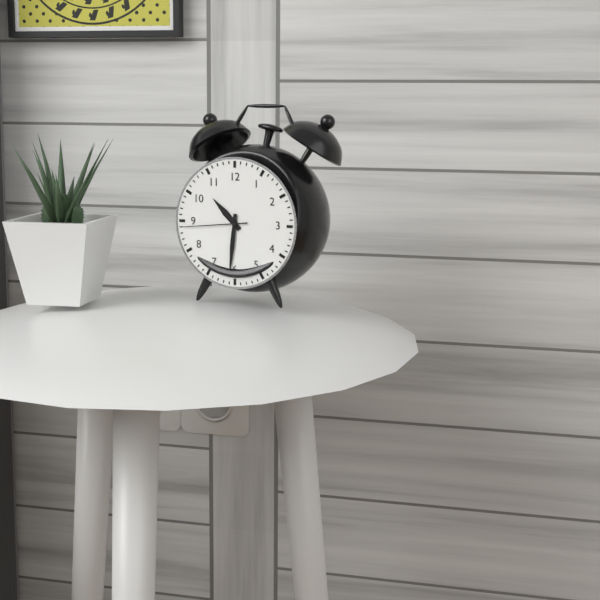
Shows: 10:31:44
